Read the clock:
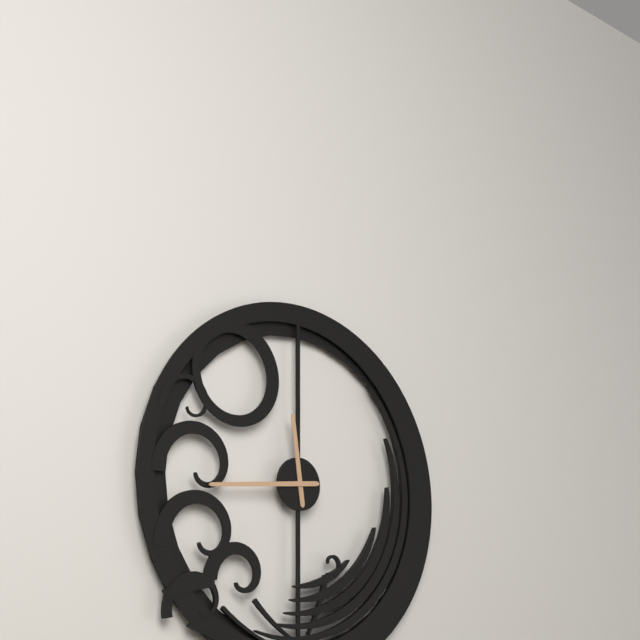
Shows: 11:44
